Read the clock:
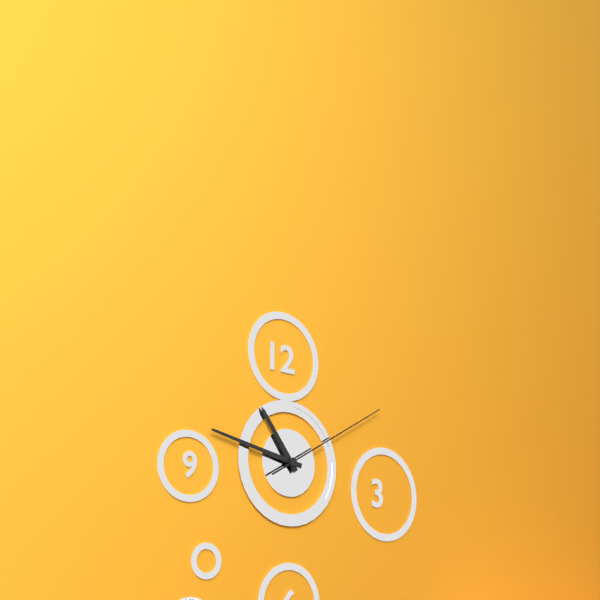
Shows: 10:47:10
